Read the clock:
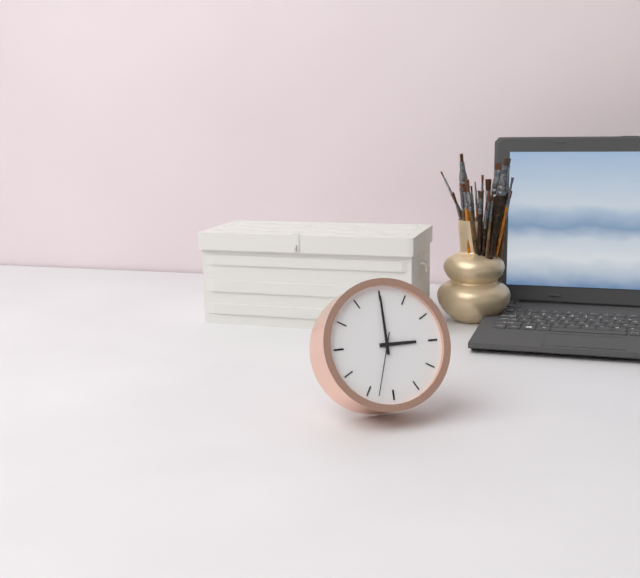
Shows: 3:00:33
